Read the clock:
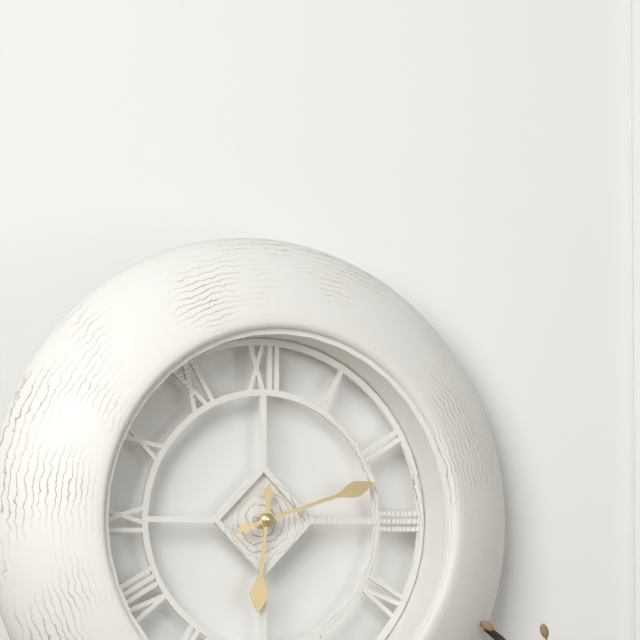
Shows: 6:12
